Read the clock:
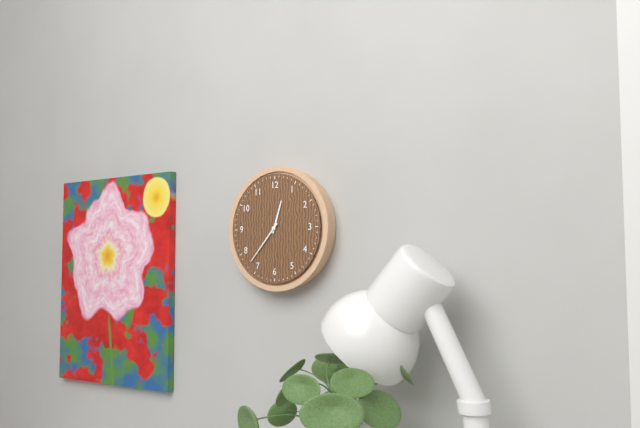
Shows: 12:37
